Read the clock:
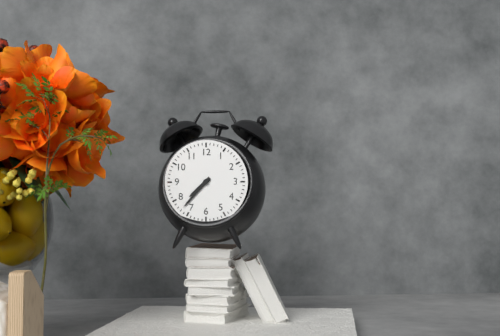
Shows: 7:37
